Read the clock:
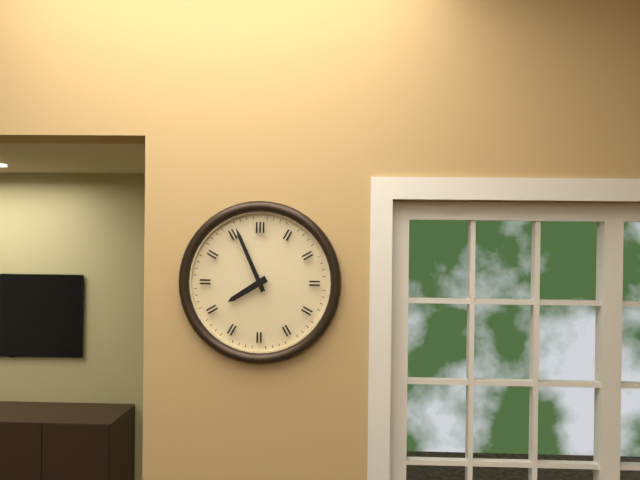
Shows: 7:56
